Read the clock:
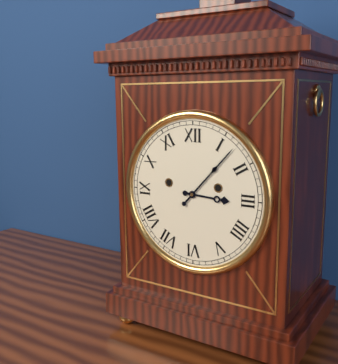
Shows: 3:07
